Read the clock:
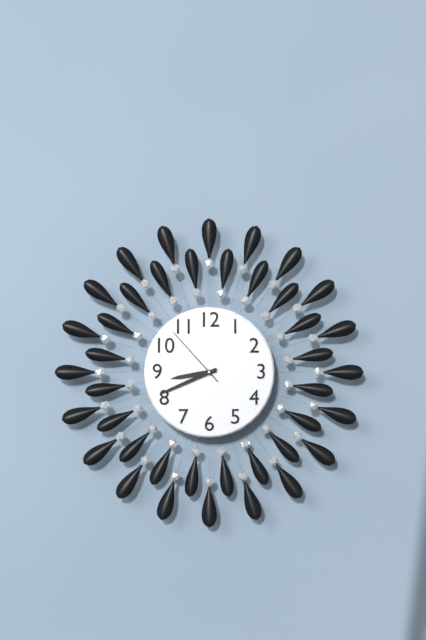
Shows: 8:41:53
